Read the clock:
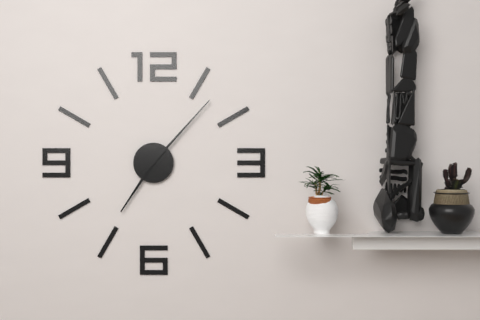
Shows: 7:07
